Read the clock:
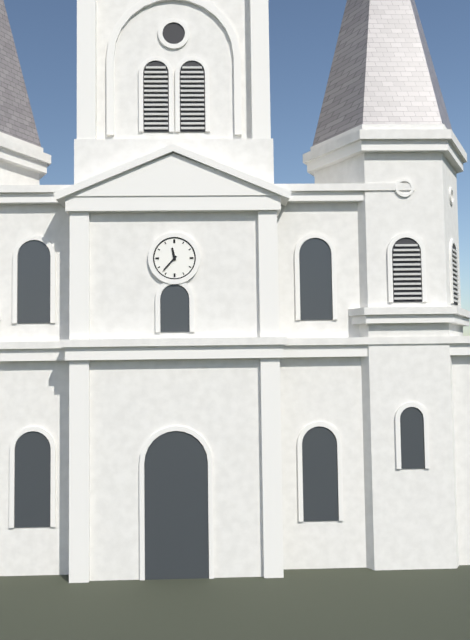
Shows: 11:37
